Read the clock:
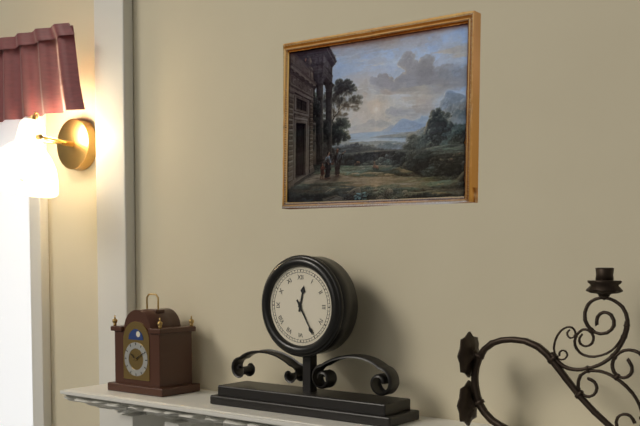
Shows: 12:25
